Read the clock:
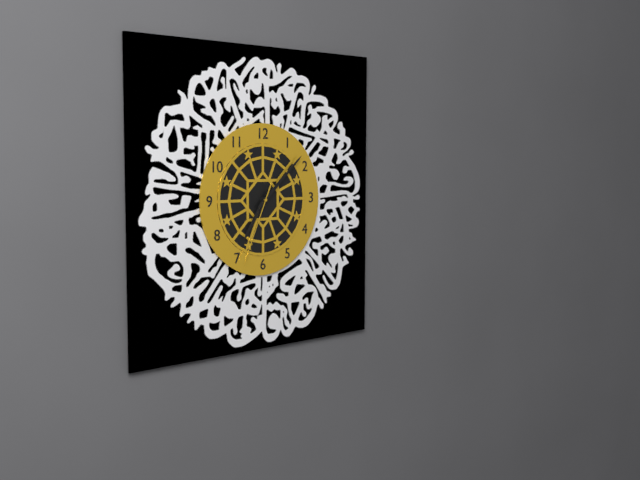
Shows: 7:08:34
